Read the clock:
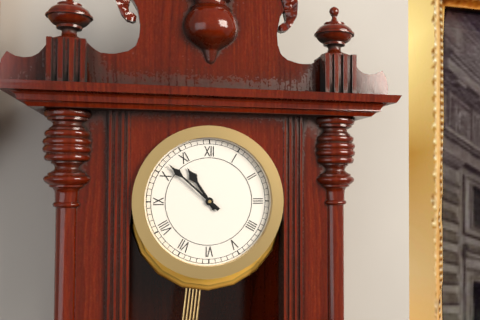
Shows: 10:52
